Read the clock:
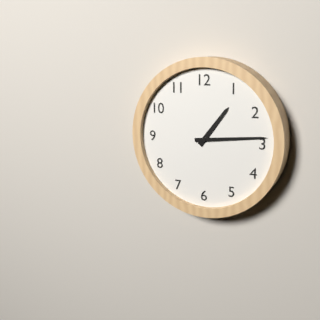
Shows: 1:14
